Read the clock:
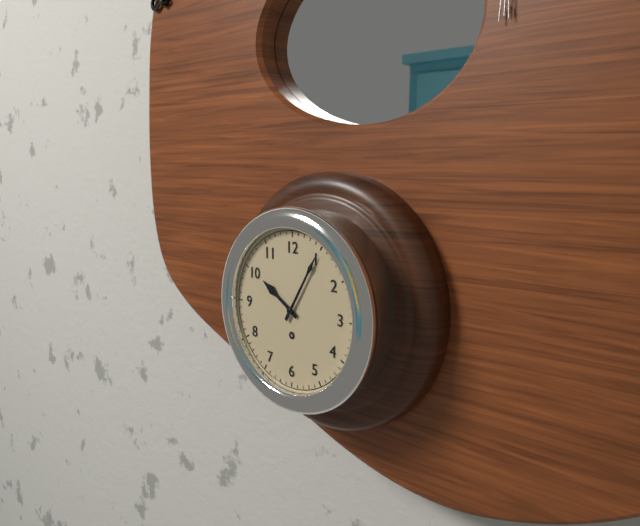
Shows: 10:05
